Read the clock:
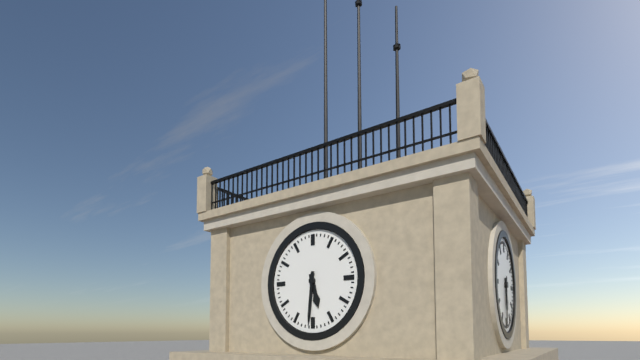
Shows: 5:31
